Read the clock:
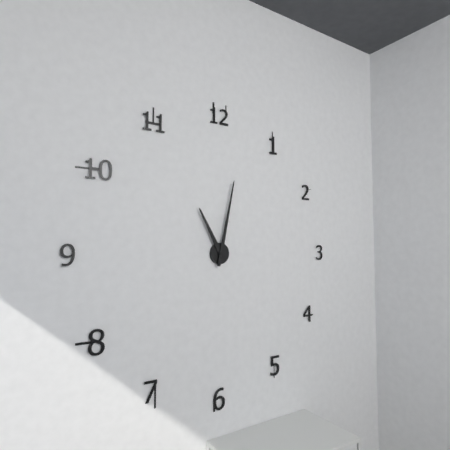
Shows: 11:02
